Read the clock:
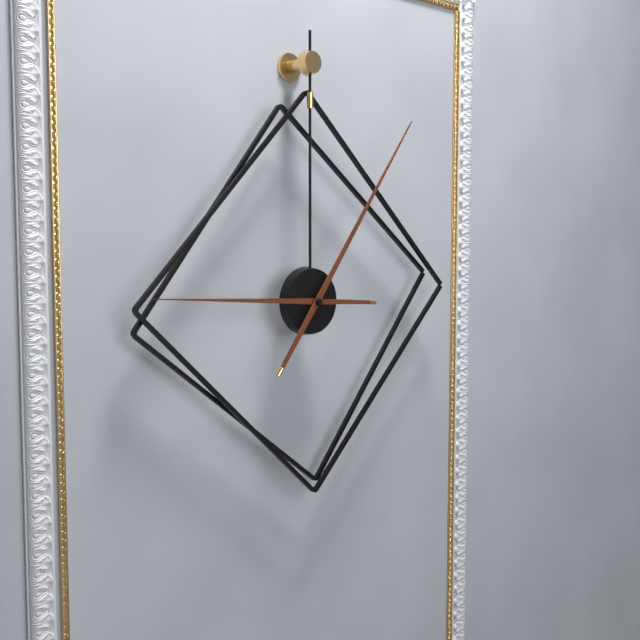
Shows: 9:06
